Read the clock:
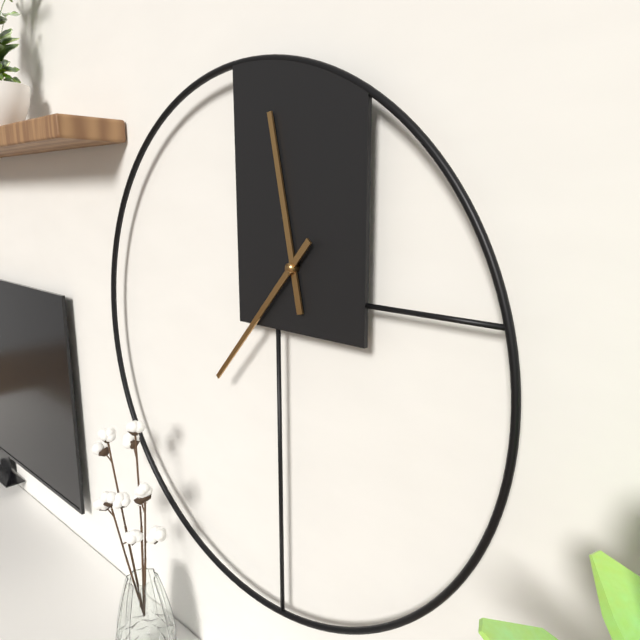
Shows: 11:37
